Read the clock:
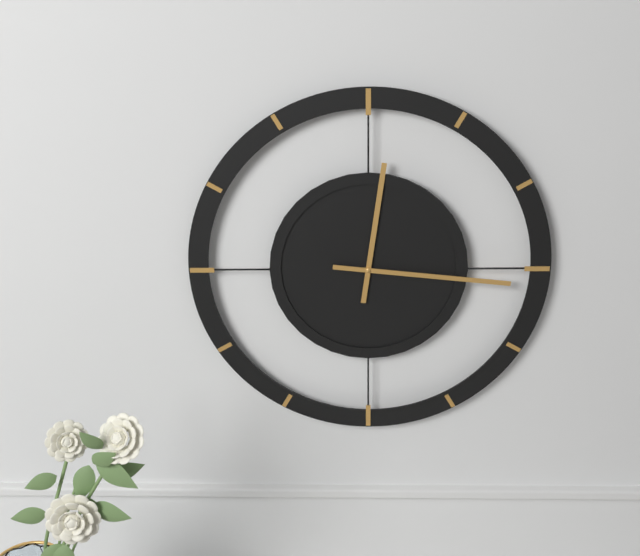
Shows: 12:16
